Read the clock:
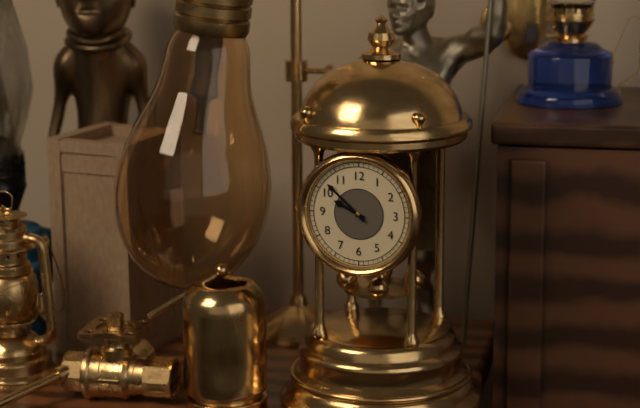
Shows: 9:52
